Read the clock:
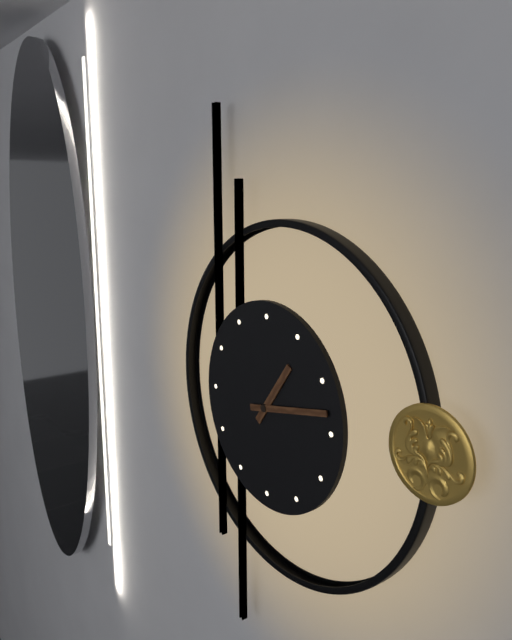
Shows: 1:13
